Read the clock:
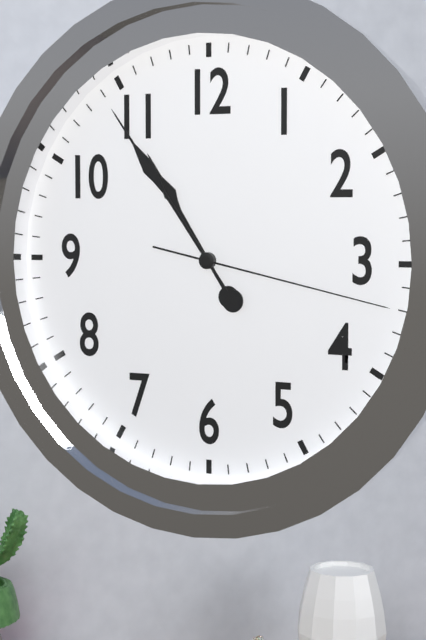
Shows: 10:54:17
